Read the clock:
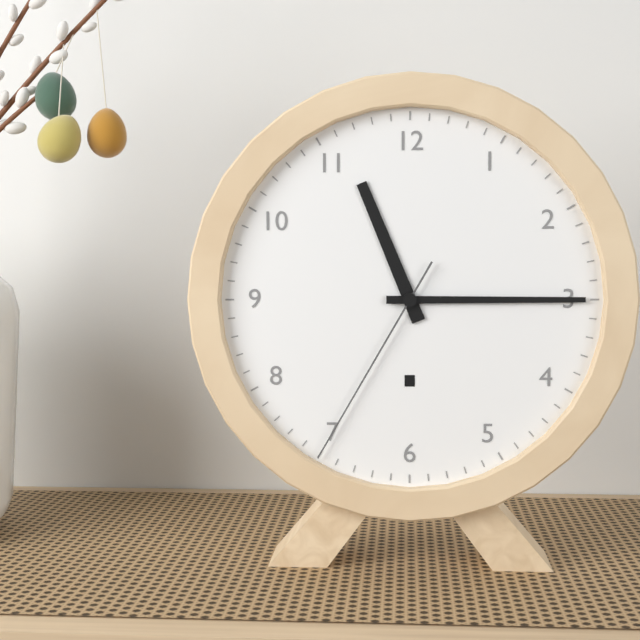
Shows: 11:15:35
